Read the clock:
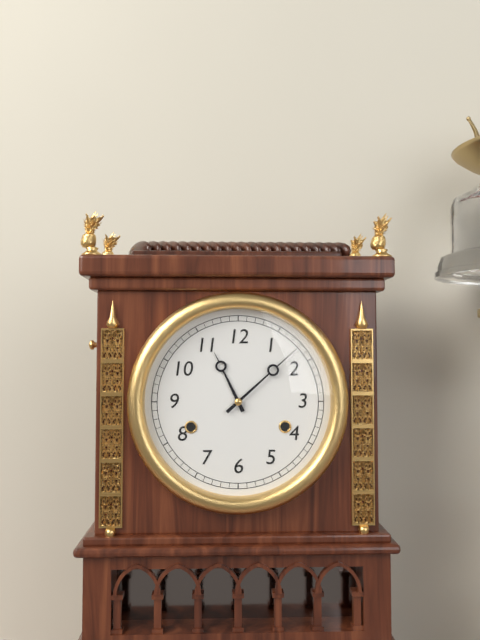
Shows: 11:08
